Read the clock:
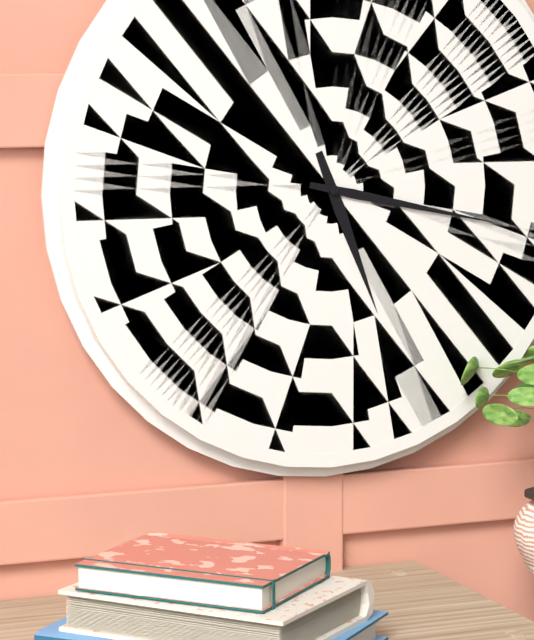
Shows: 5:17
